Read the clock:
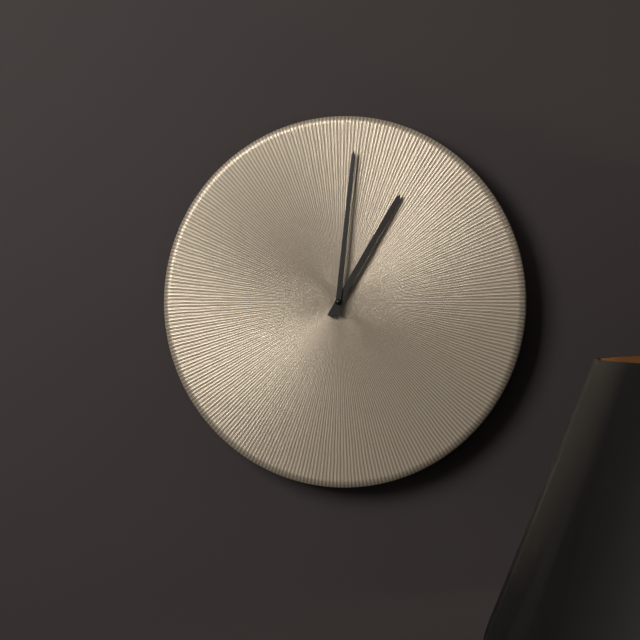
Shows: 1:01
